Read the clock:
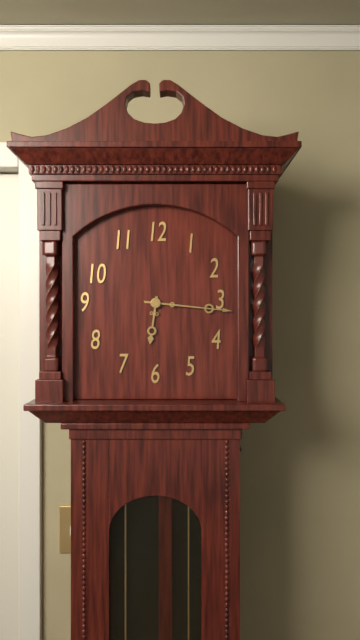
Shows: 6:16
